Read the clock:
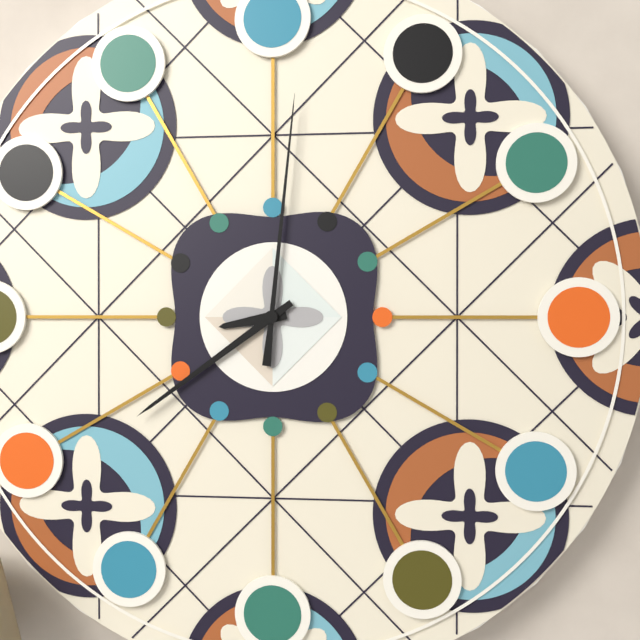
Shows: 8:39:01
